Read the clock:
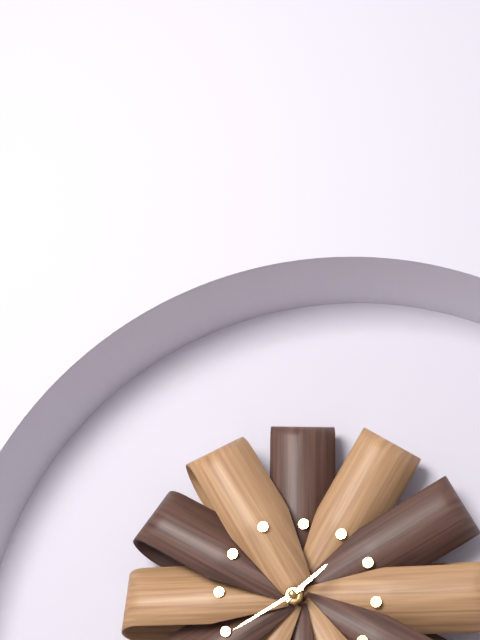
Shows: 1:40
